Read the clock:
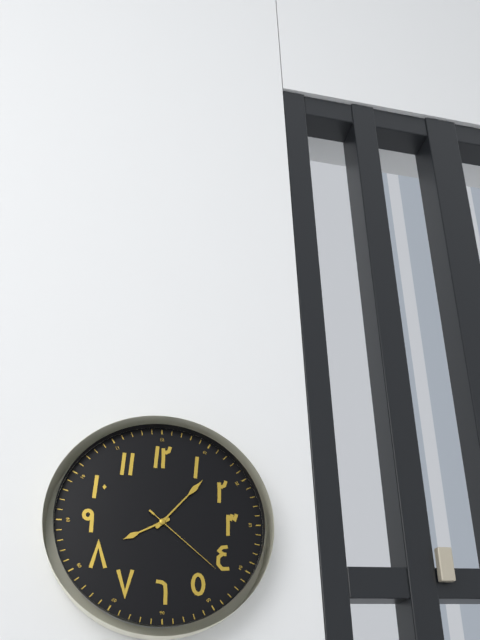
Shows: 8:07:22
